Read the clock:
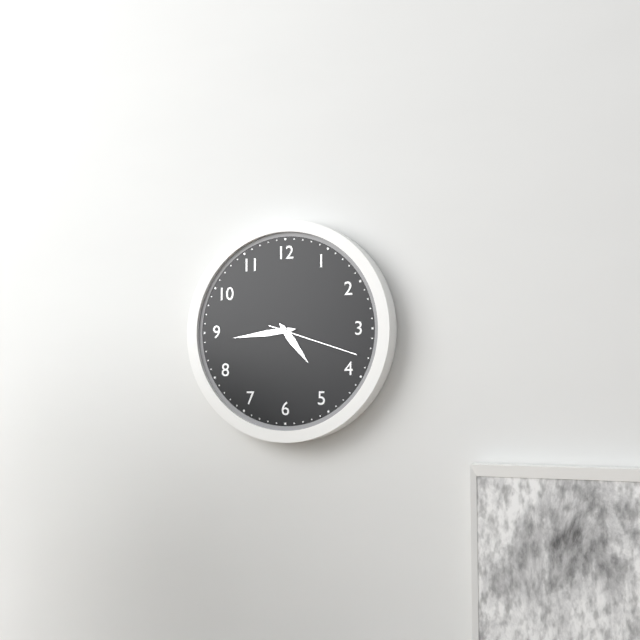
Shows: 4:44:18
